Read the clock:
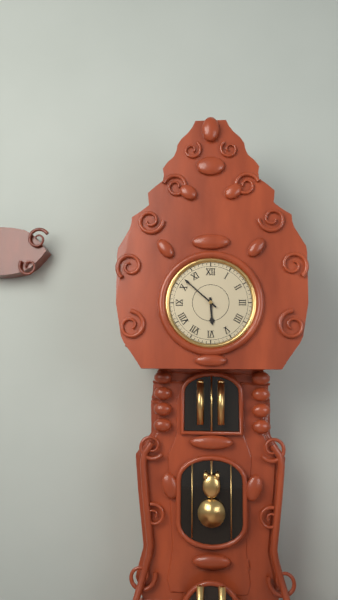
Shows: 5:52
